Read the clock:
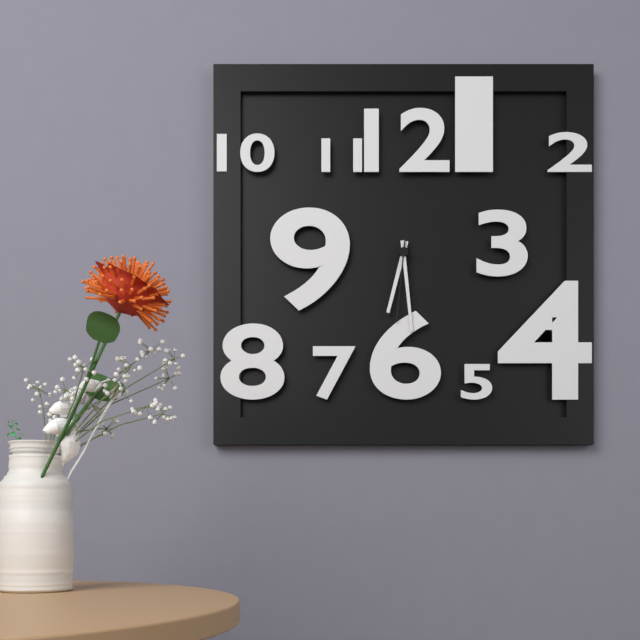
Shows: 6:29:31
